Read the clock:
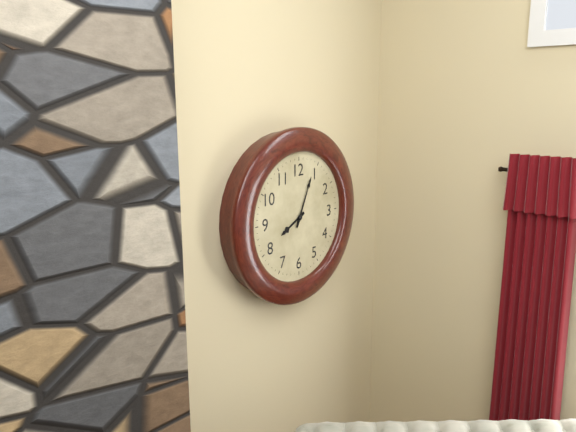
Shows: 8:04
